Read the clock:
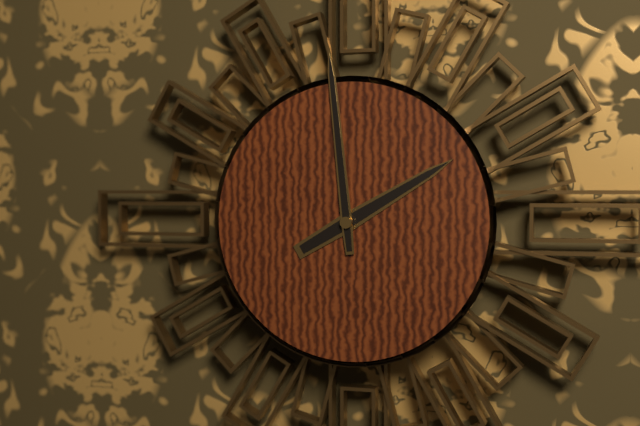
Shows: 1:59
